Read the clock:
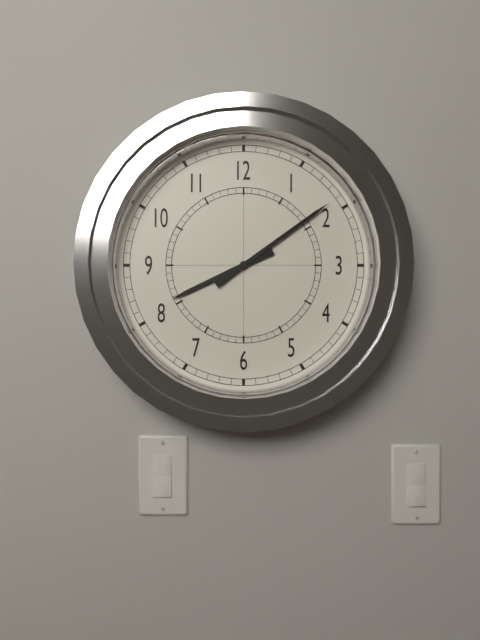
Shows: 8:09
